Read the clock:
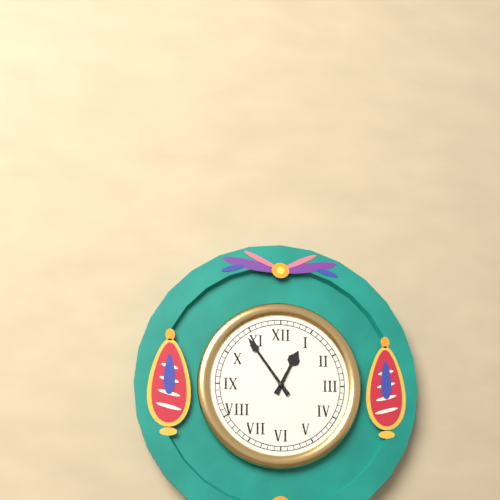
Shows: 12:54
